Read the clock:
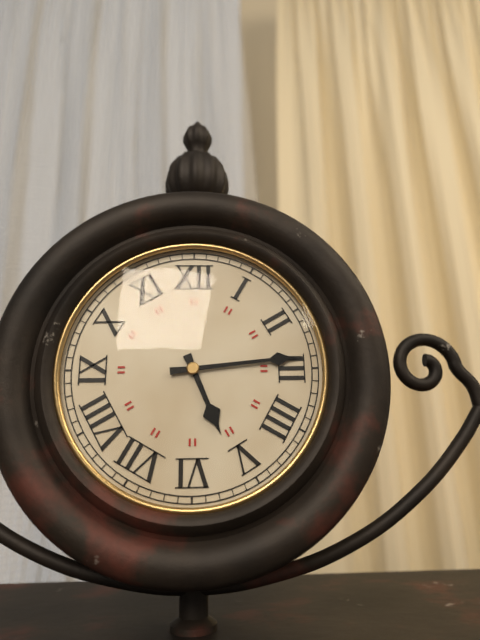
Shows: 5:14
